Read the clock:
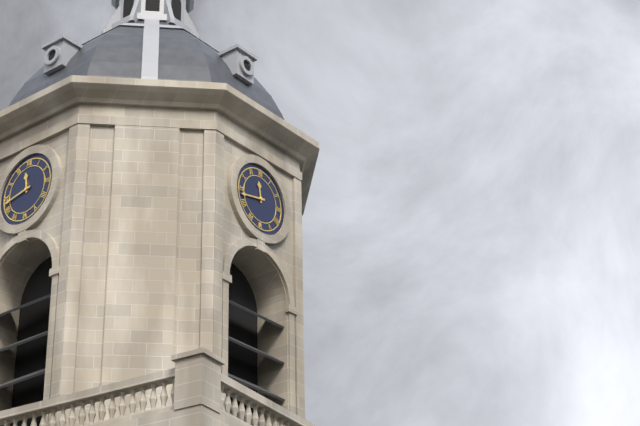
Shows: 11:43
